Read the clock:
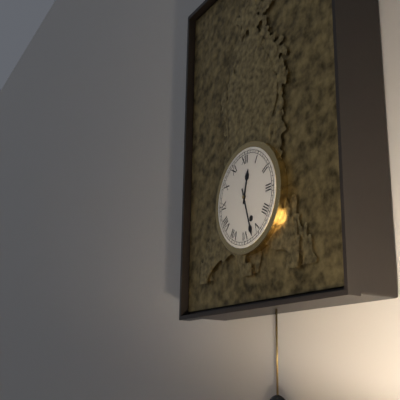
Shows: 12:27
